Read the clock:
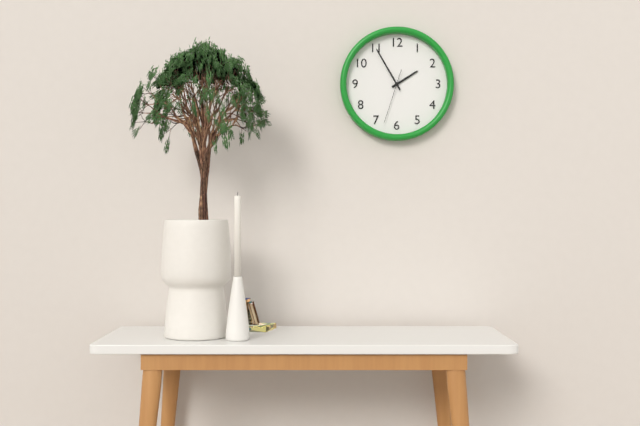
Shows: 1:55:33
